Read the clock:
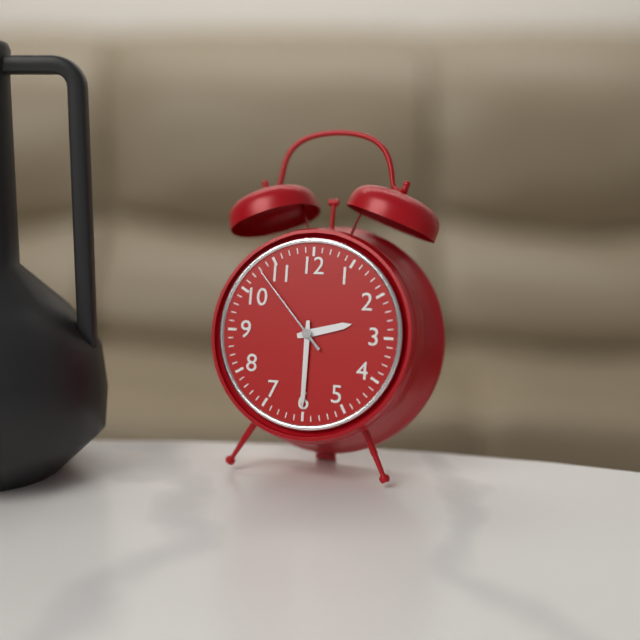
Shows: 2:30:53
